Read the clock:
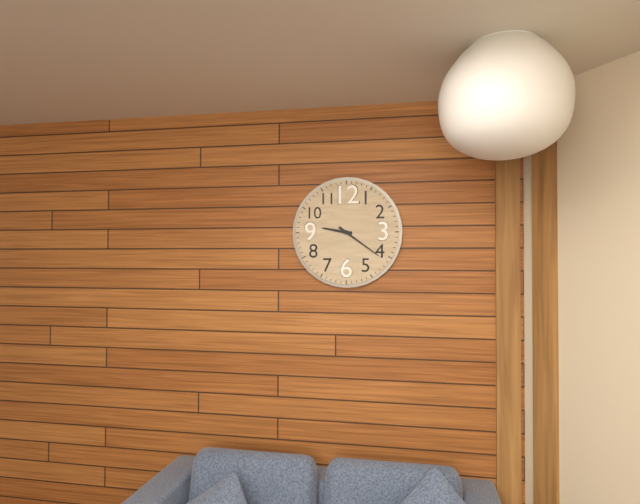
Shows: 9:21
